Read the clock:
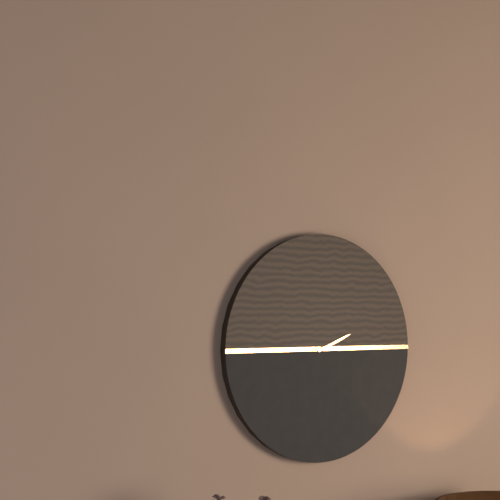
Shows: 2:15
